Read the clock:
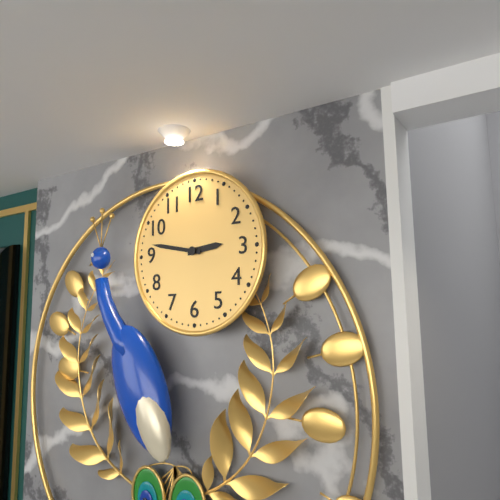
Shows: 2:47
